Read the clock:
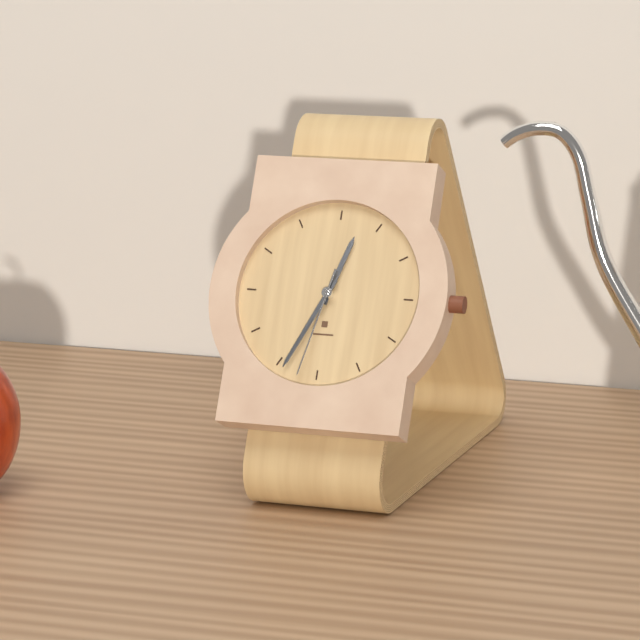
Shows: 12:34:32
